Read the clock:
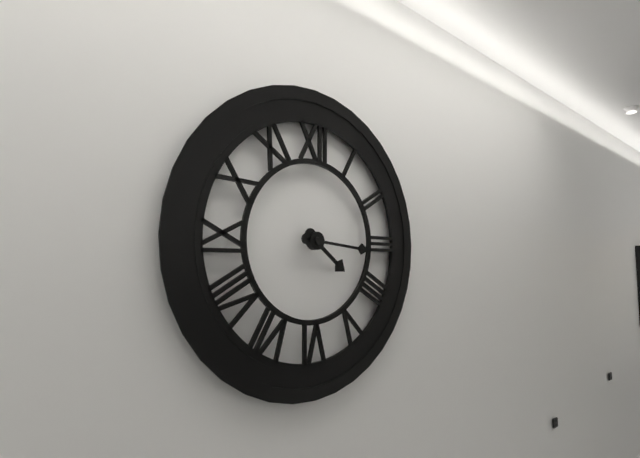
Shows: 4:16
